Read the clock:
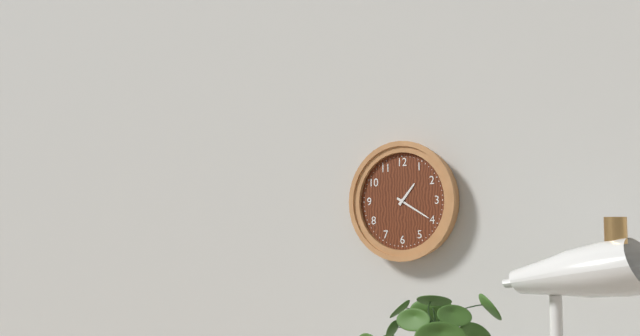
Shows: 1:20
